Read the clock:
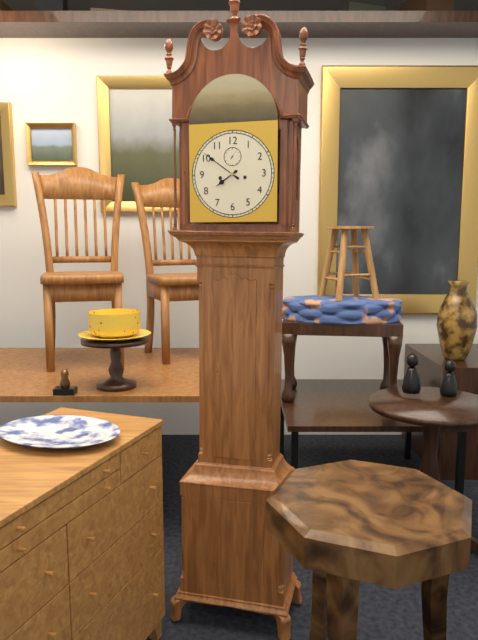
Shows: 7:51
